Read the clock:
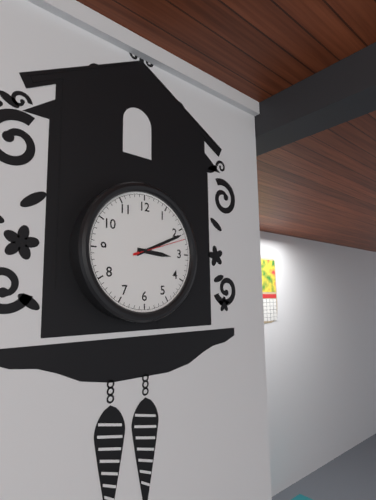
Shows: 3:11:12
